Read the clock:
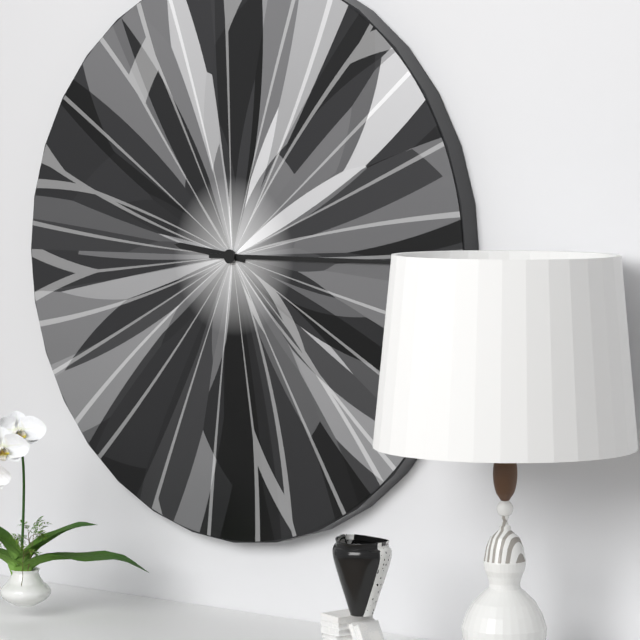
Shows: 9:15
